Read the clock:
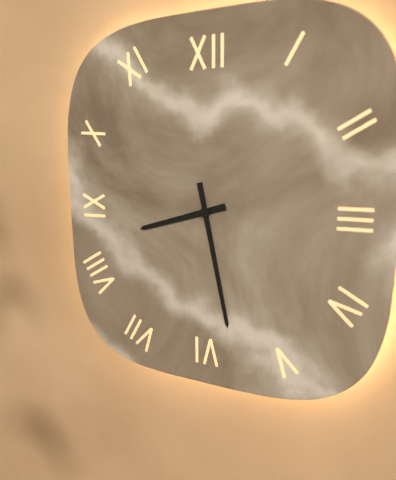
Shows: 8:28
